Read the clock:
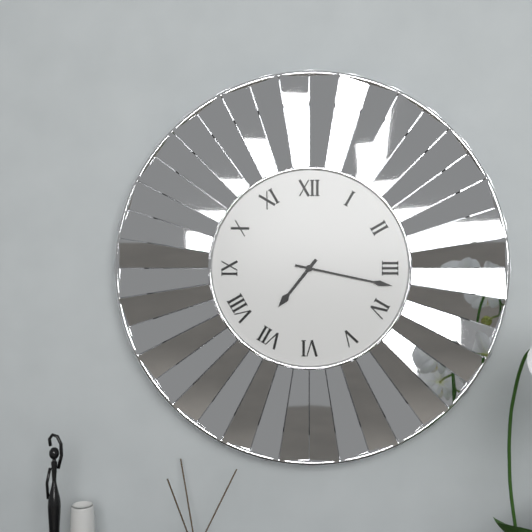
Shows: 7:17
